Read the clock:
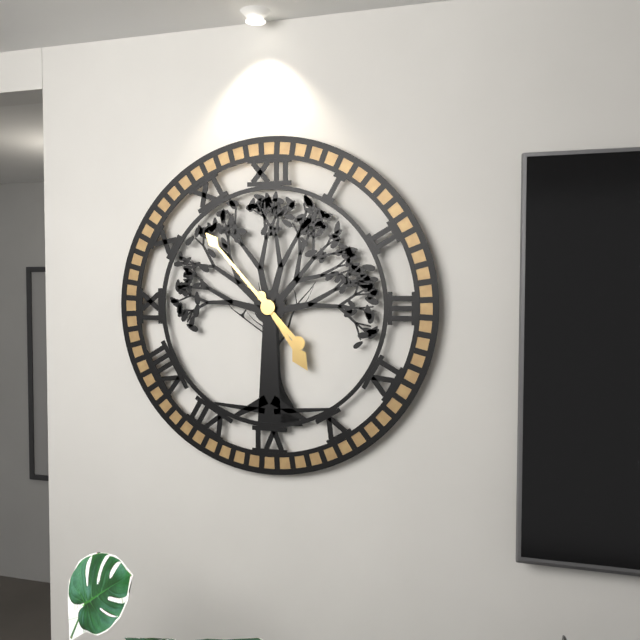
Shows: 4:53
